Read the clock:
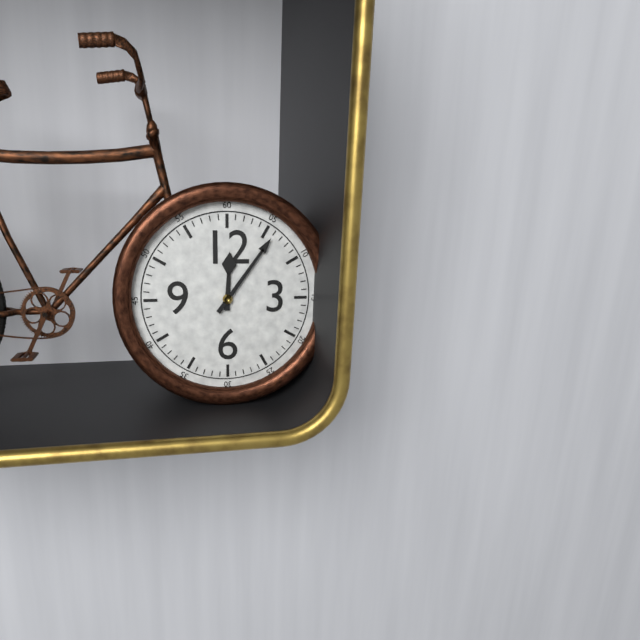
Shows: 12:06
